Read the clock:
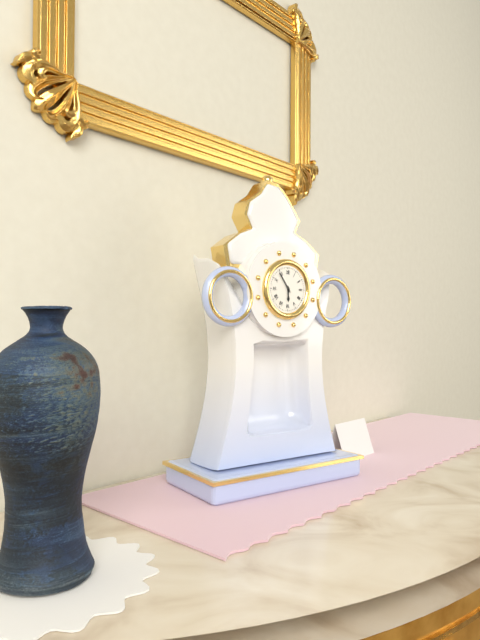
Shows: 5:54
